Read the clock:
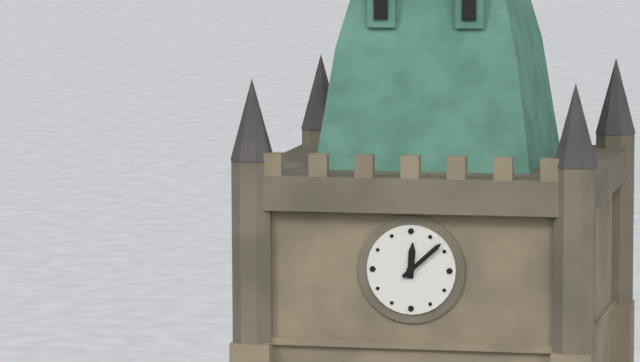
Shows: 12:08
